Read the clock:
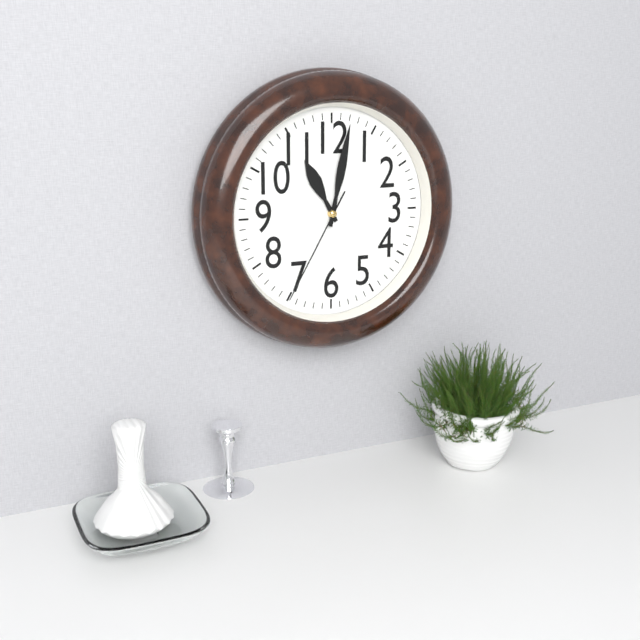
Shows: 11:02:35
